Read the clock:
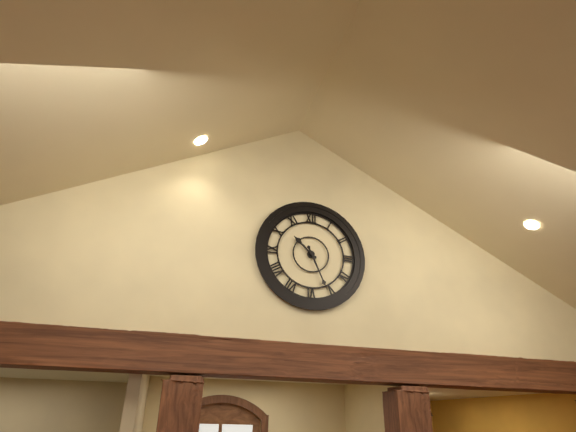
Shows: 10:26
